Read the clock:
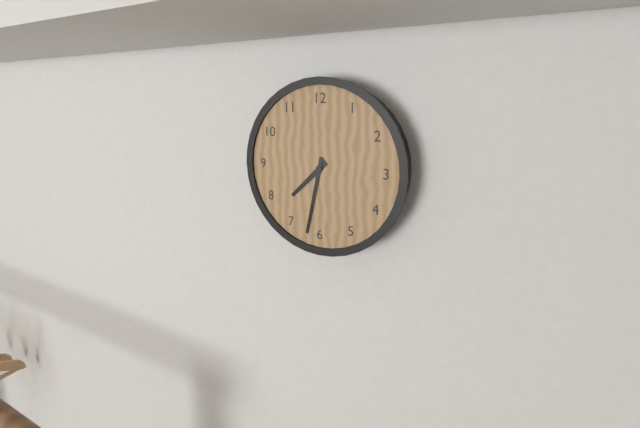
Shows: 7:32
